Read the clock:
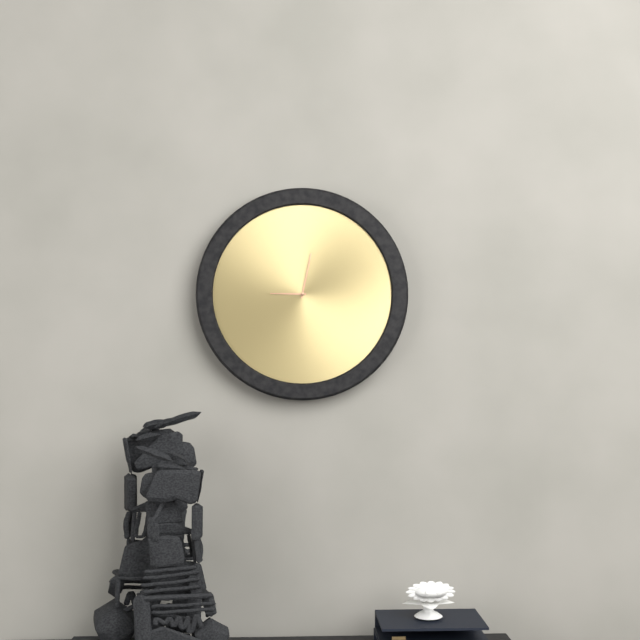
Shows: 9:02
